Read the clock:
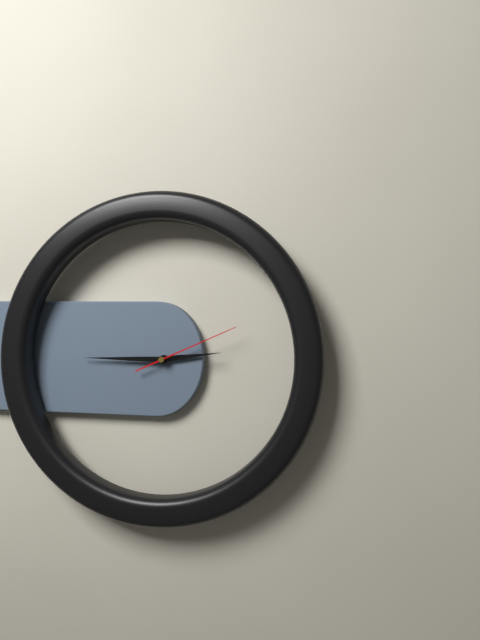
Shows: 2:45:11
